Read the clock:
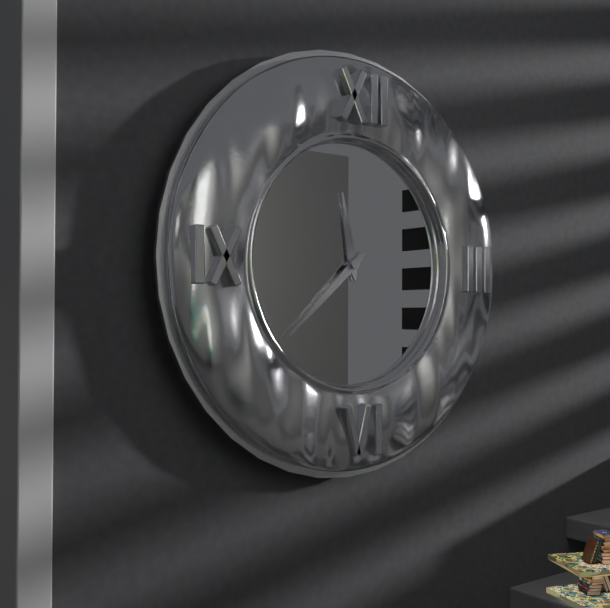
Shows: 11:38
